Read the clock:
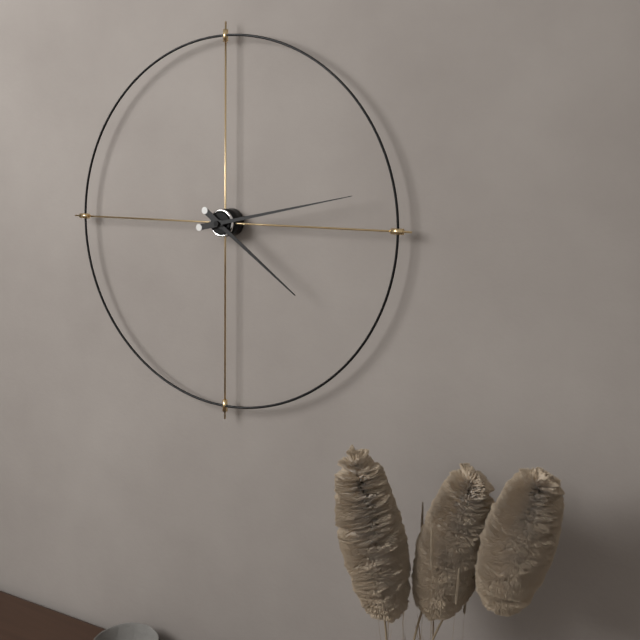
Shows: 4:13
